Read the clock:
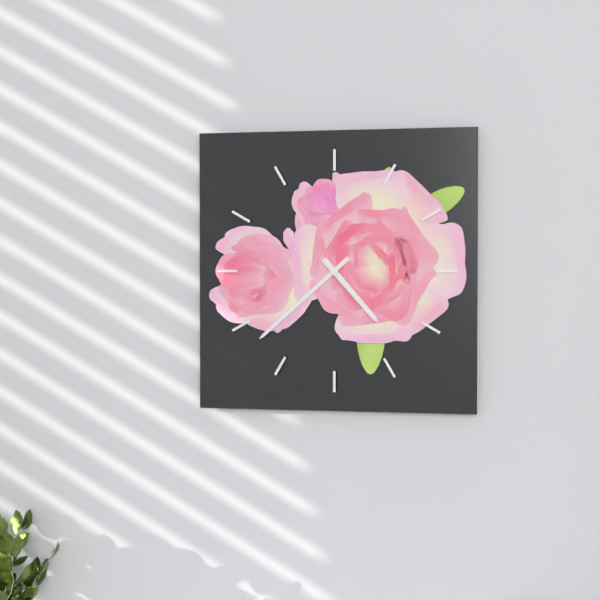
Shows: 4:38
